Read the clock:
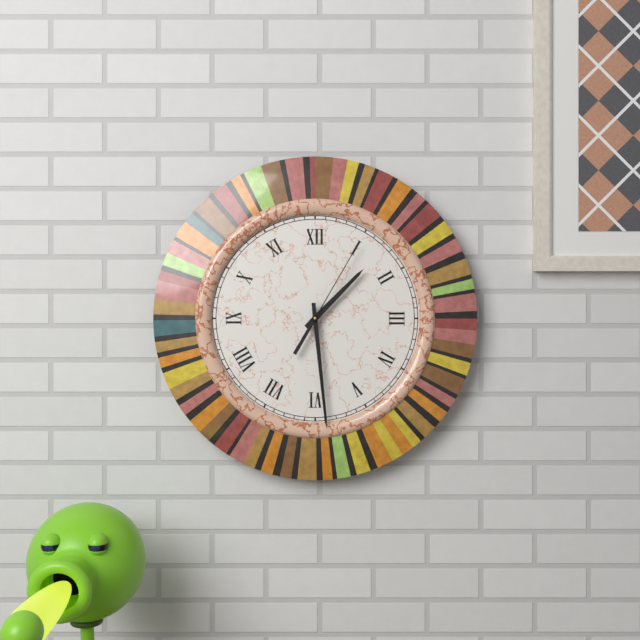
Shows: 1:29:05
